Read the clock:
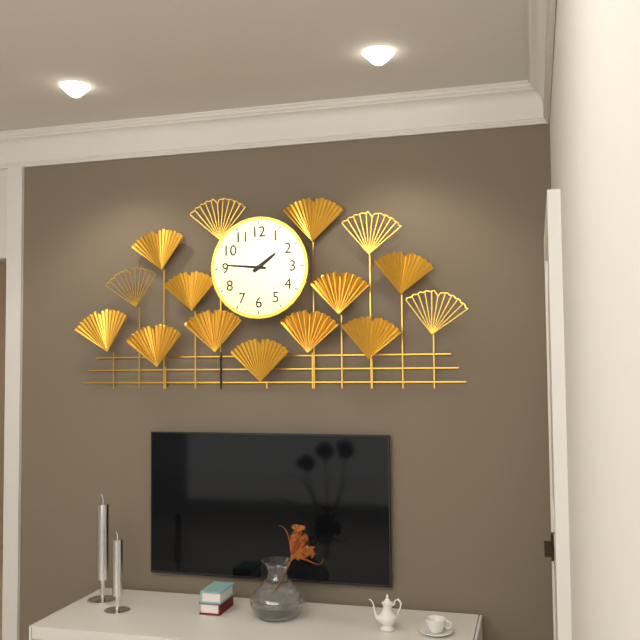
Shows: 1:46
